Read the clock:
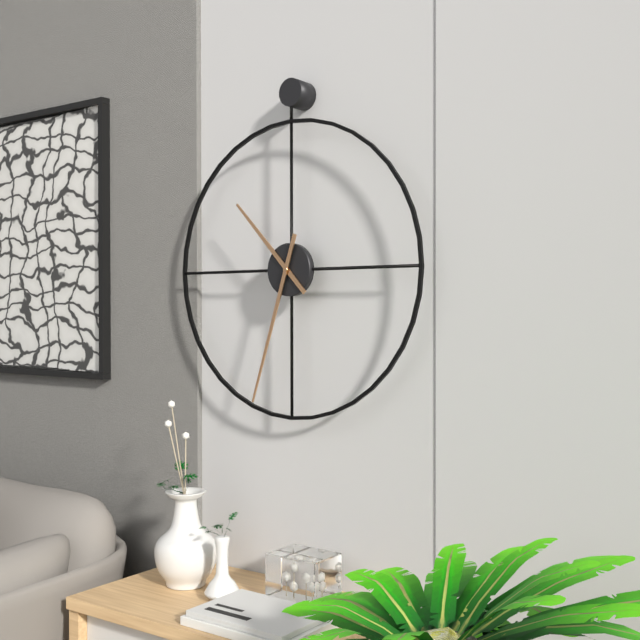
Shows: 10:33
